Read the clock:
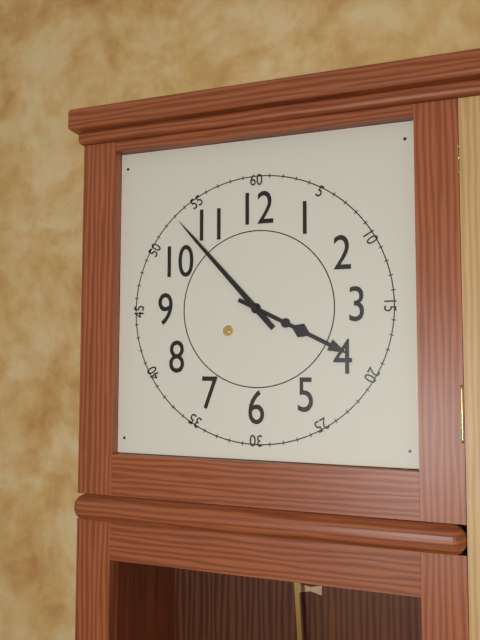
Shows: 3:53
